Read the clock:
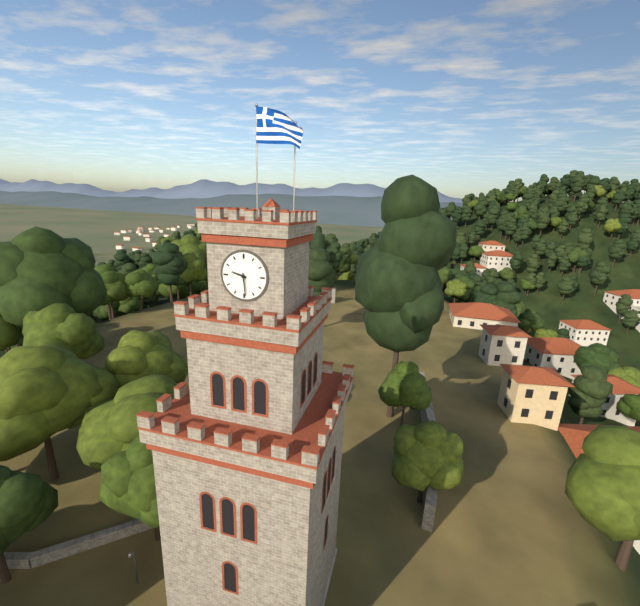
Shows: 9:29
